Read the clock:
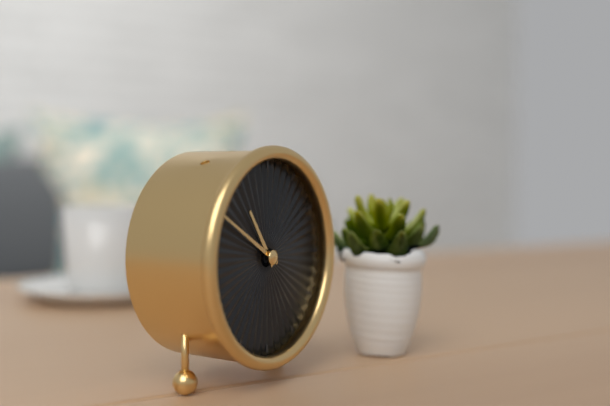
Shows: 10:50
